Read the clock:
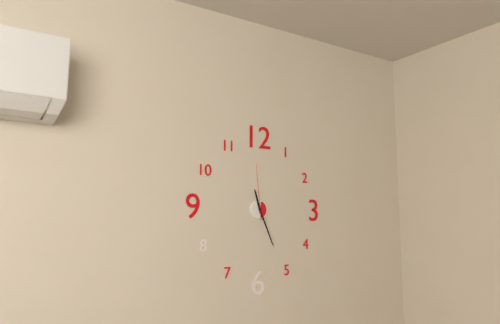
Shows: 11:26:59
